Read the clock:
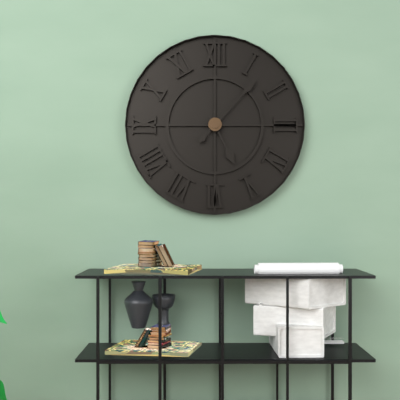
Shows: 5:07
